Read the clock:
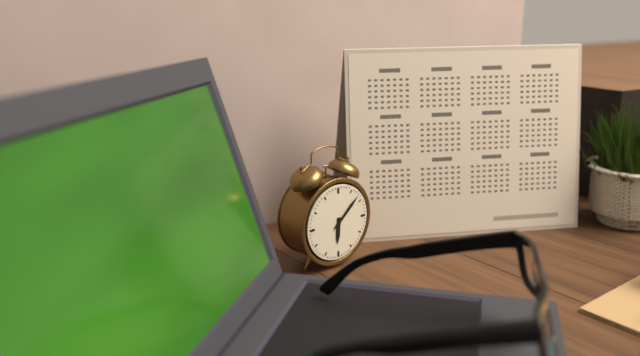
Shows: 6:08
